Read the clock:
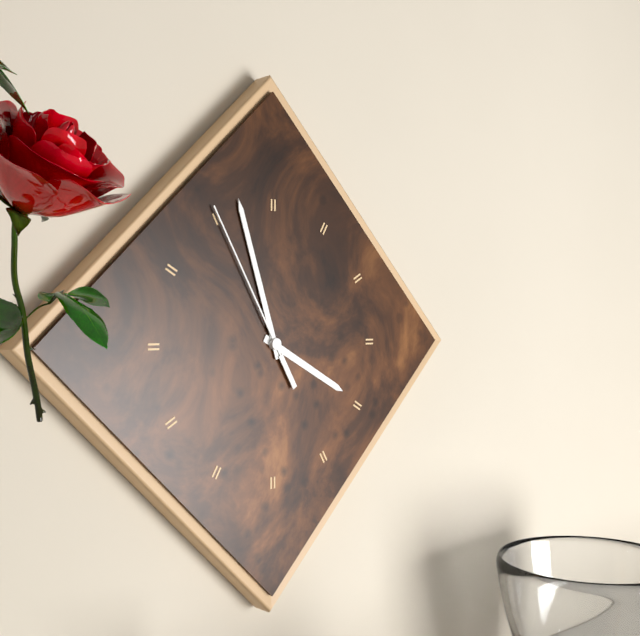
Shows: 3:57:55
